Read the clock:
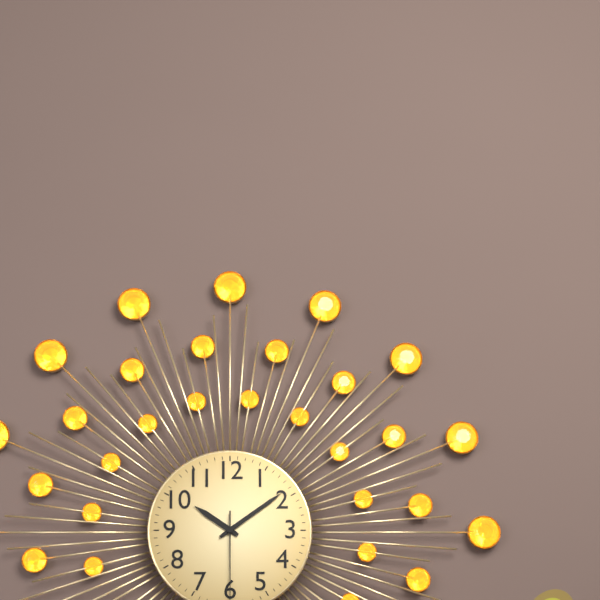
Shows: 10:09
